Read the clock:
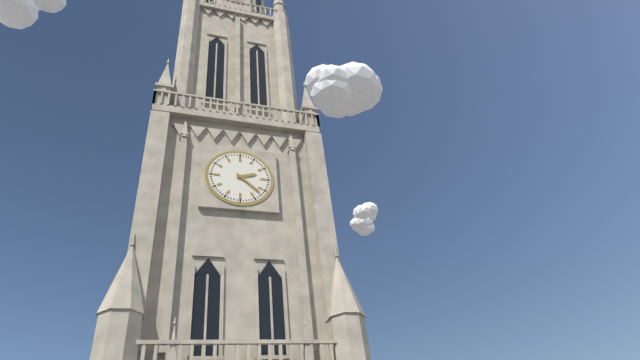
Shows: 2:22
